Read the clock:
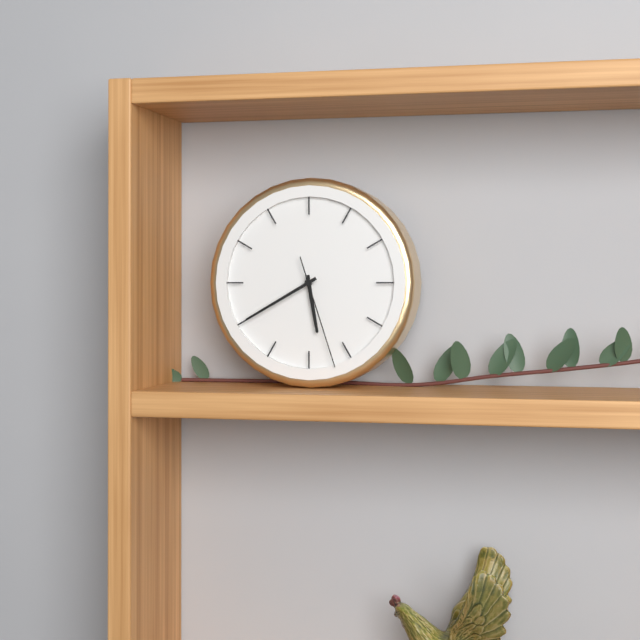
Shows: 5:40:27
